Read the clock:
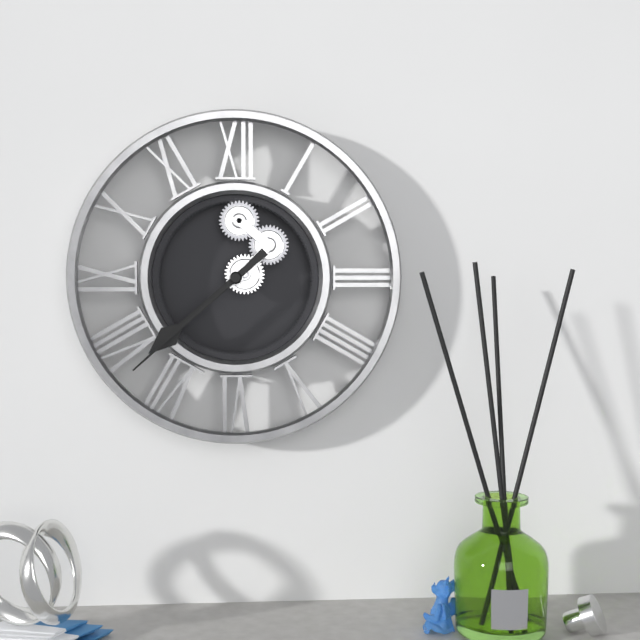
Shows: 7:38
